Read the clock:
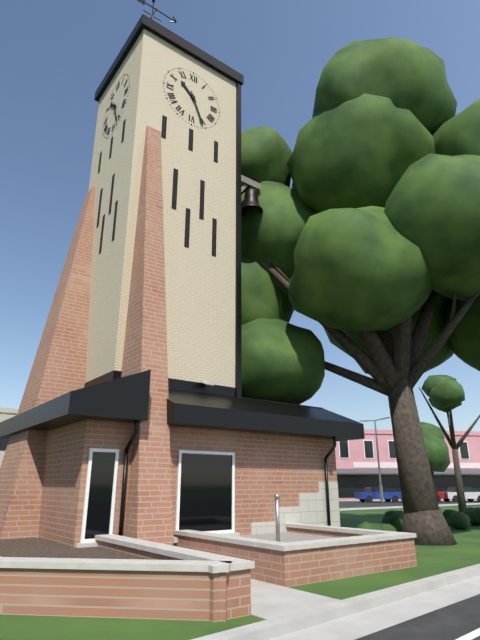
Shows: 10:26
